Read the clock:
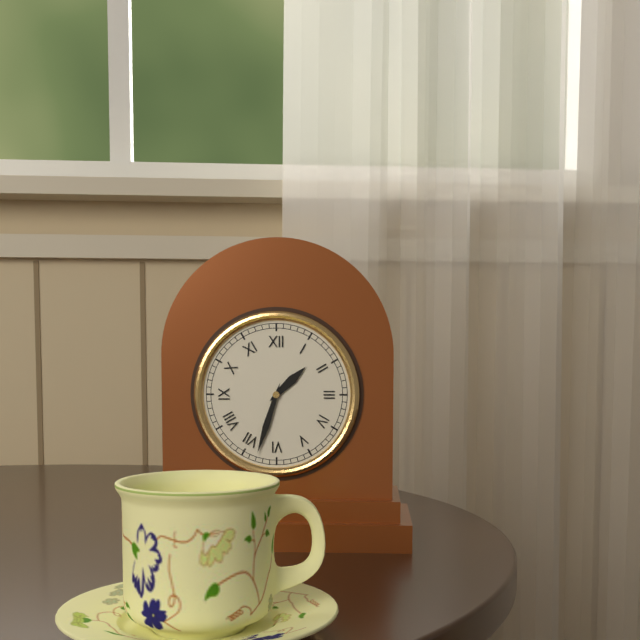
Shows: 1:33
